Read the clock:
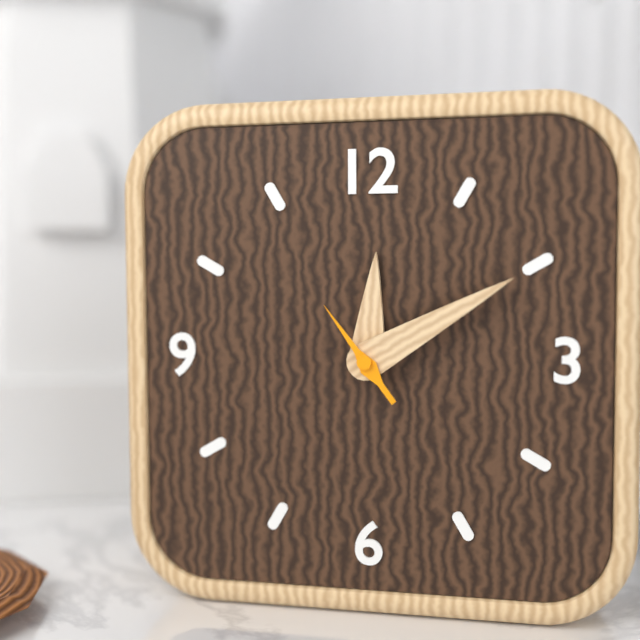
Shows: 12:10:54
